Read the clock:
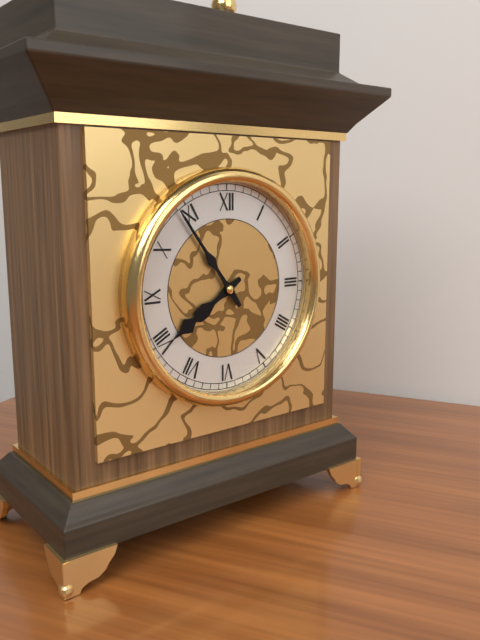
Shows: 7:54
